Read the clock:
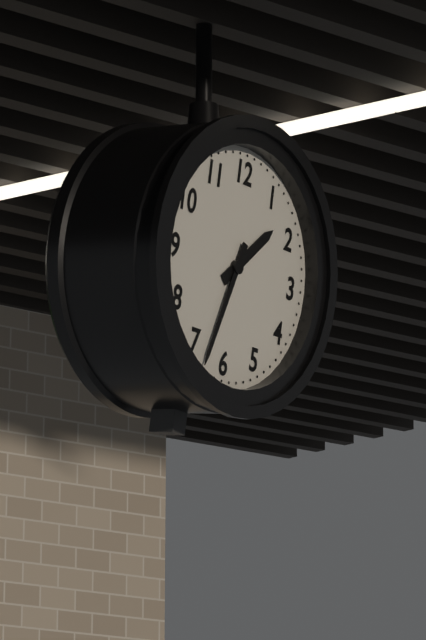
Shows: 1:33
